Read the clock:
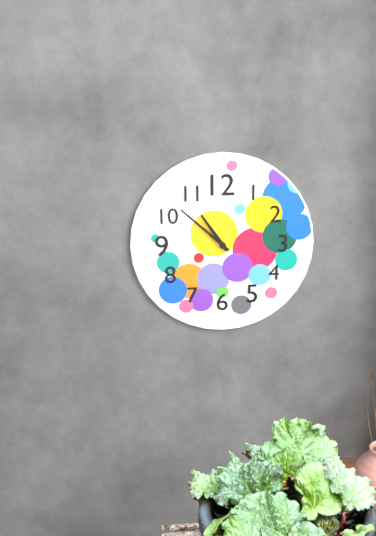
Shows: 10:52
